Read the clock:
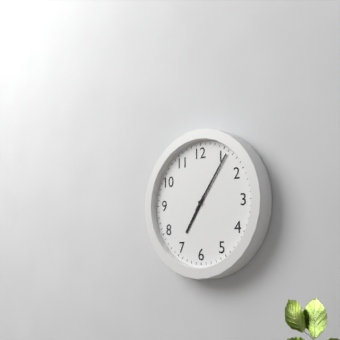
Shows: 7:06
